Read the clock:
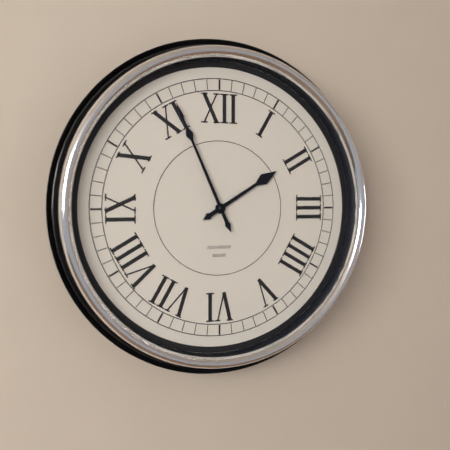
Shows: 1:56
